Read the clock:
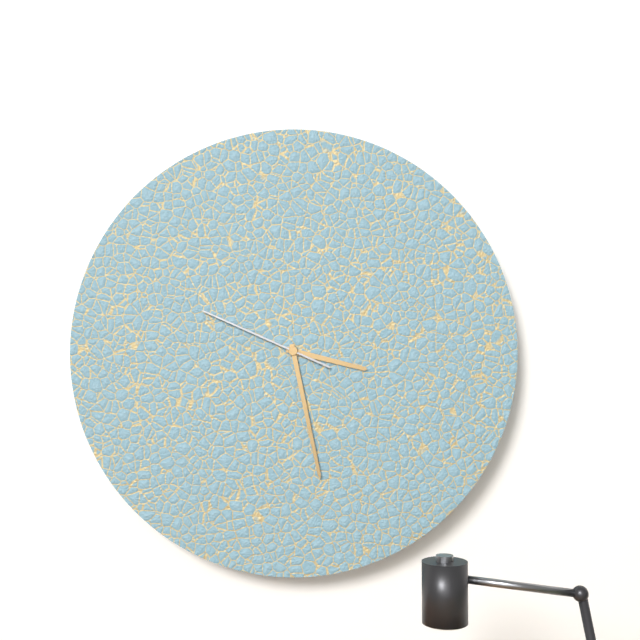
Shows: 3:28:49
